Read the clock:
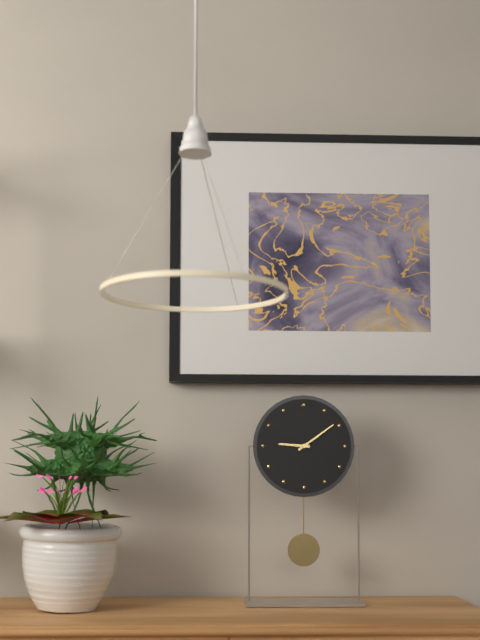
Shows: 9:09
